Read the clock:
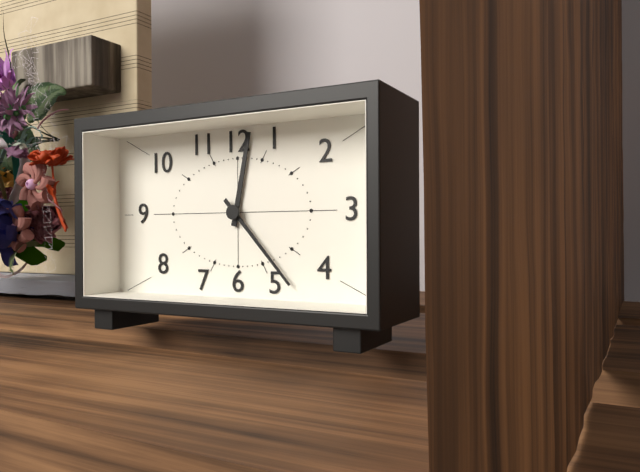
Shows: 12:23
